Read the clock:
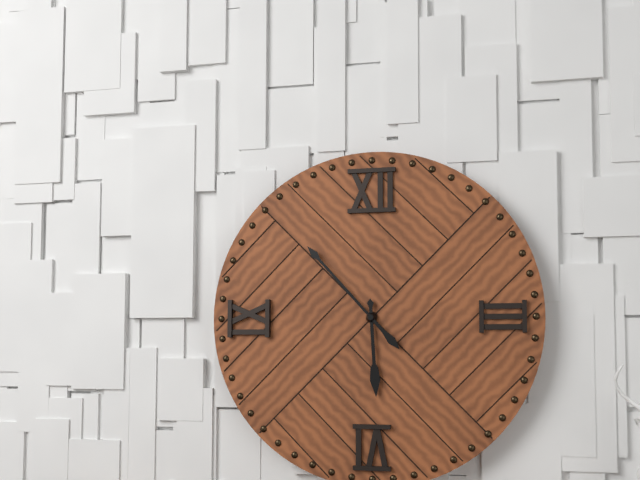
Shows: 5:53
